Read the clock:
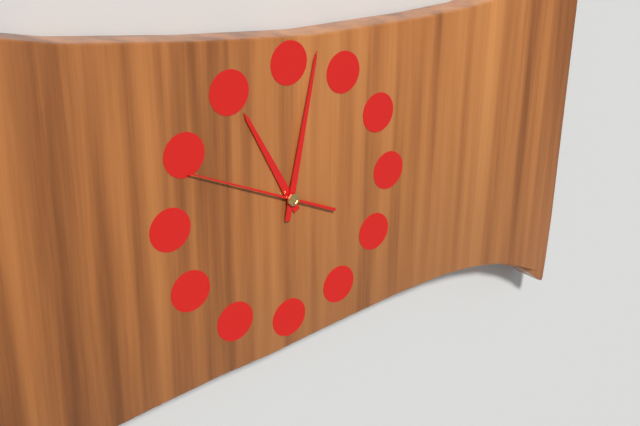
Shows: 11:02:49
